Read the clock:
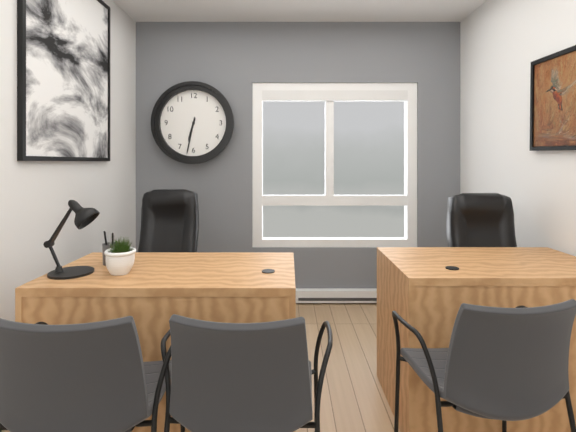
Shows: 6:32
